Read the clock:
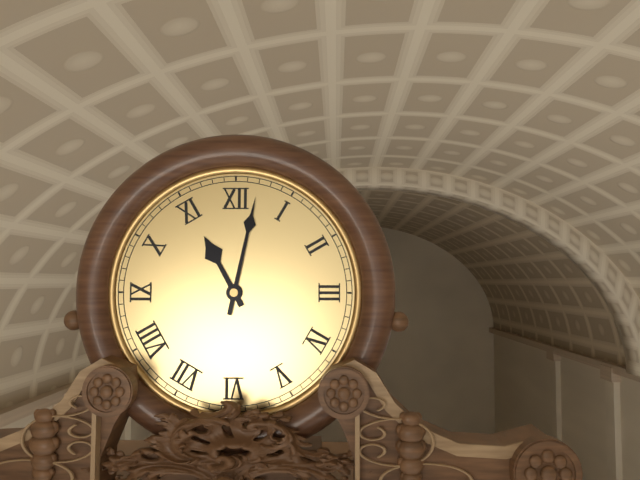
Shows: 11:02
